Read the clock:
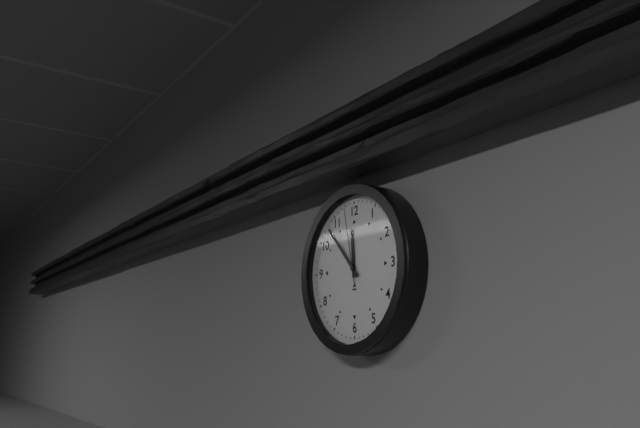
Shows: 11:53:58
